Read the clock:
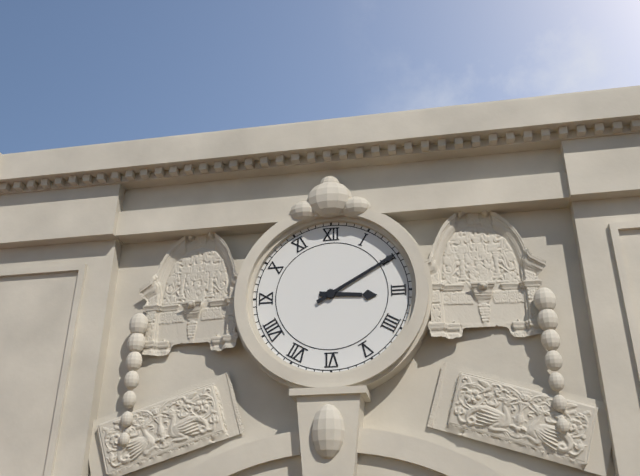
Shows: 3:10
